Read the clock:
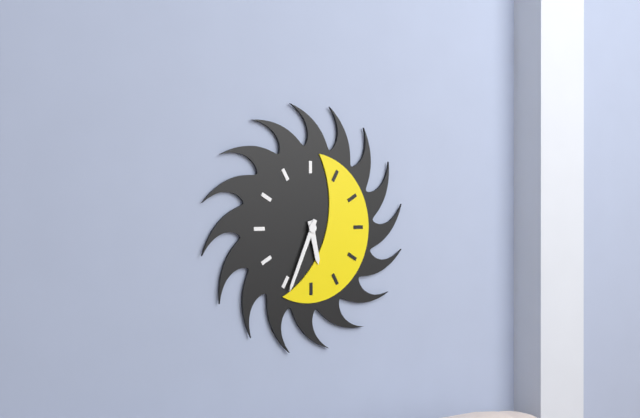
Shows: 5:34
